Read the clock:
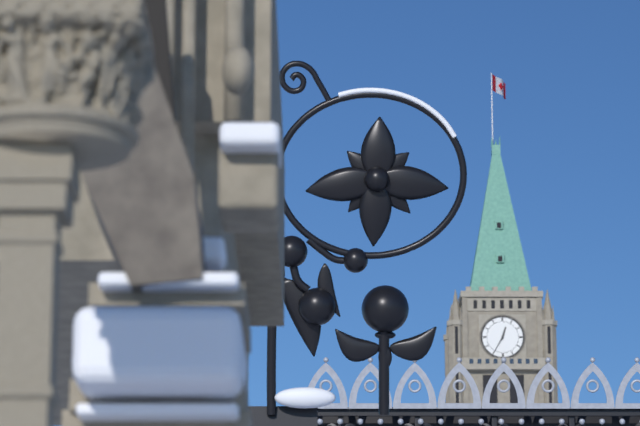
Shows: 12:35
